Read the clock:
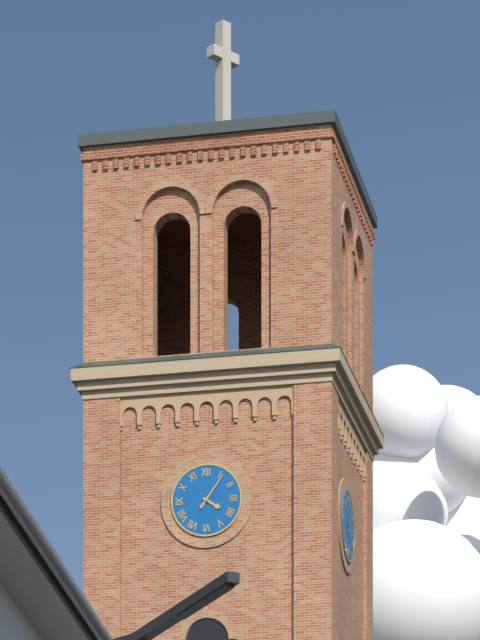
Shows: 4:06
